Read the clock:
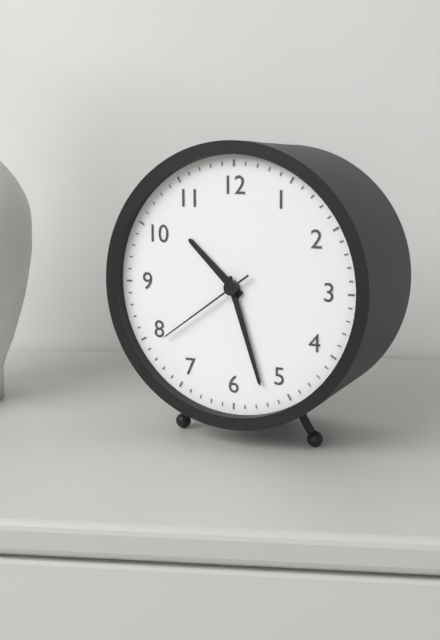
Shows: 10:27:39
